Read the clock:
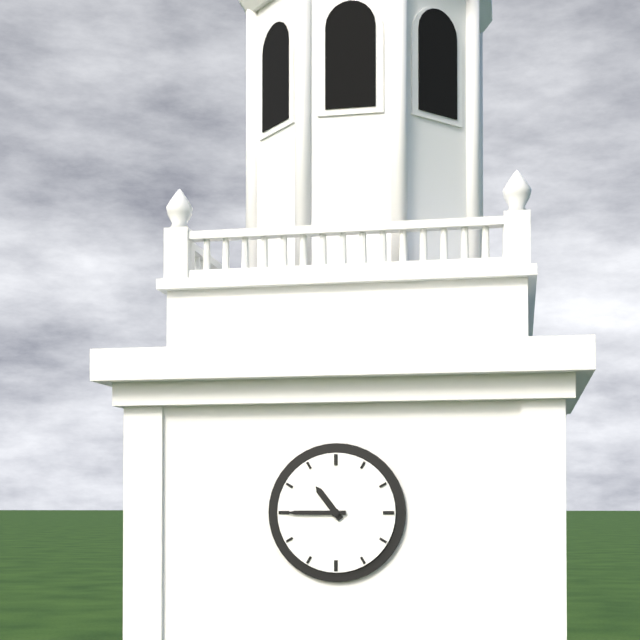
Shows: 10:45
